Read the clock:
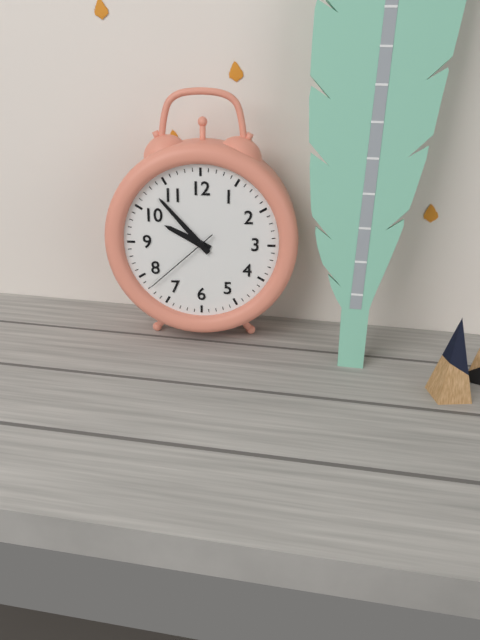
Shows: 9:53:38
